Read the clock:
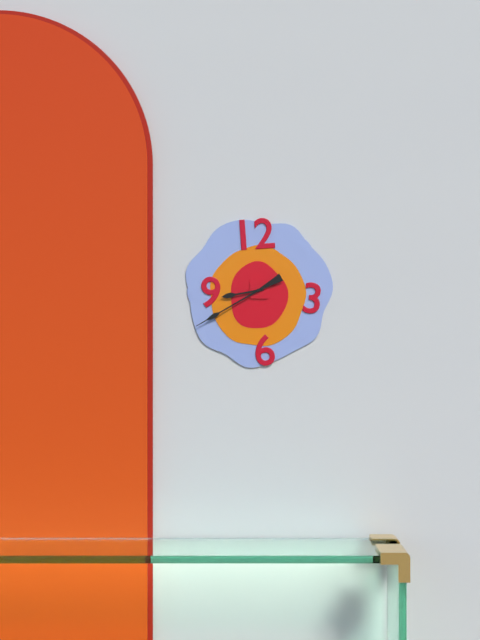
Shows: 8:40
